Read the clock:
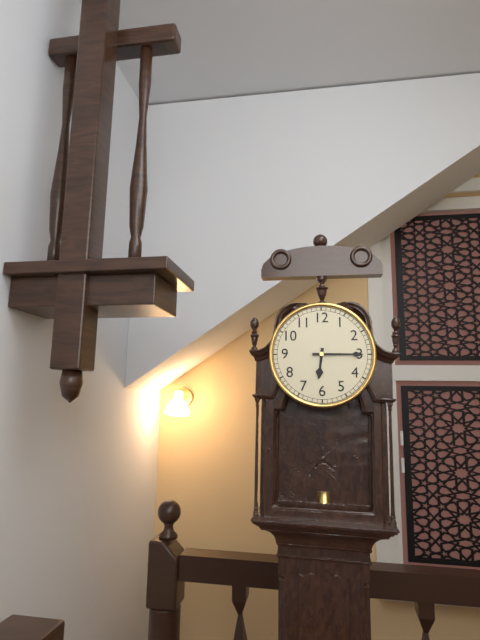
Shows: 6:15
